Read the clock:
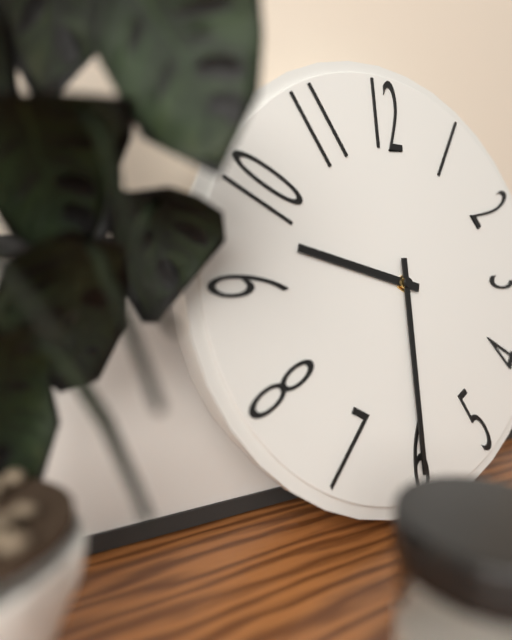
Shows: 9:30
